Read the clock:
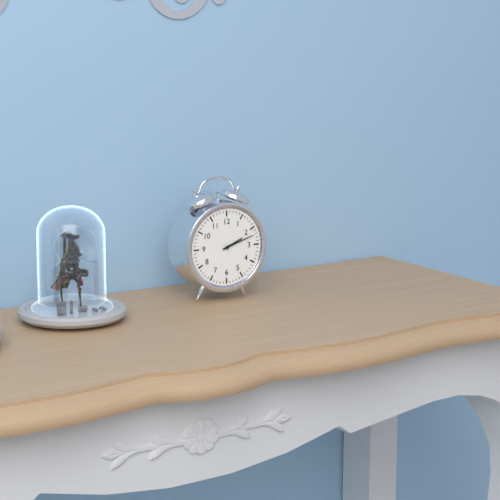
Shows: 2:12
